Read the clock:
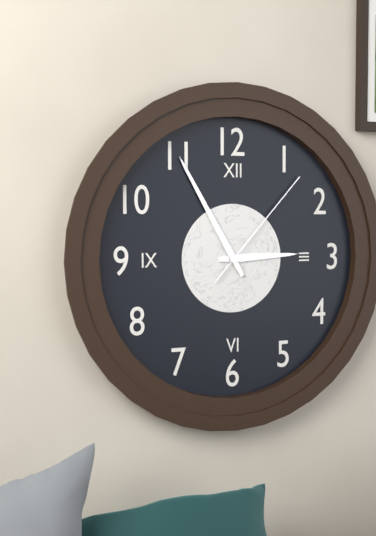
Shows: 2:55:07
